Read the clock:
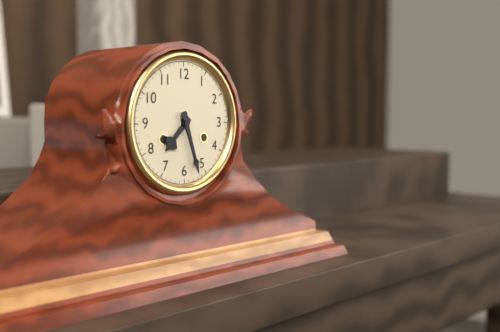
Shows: 7:27
